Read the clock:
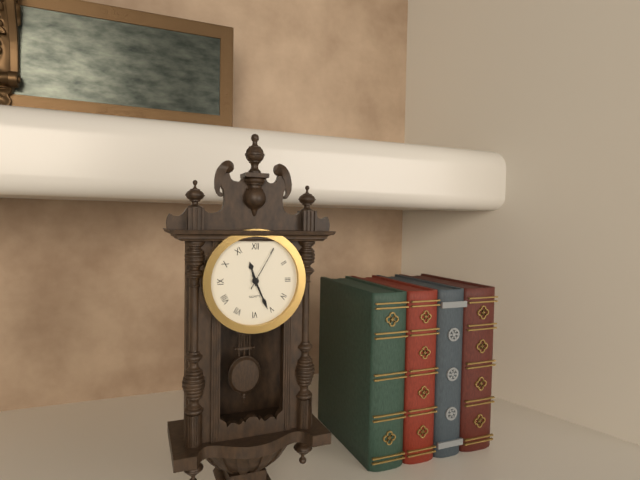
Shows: 11:26
